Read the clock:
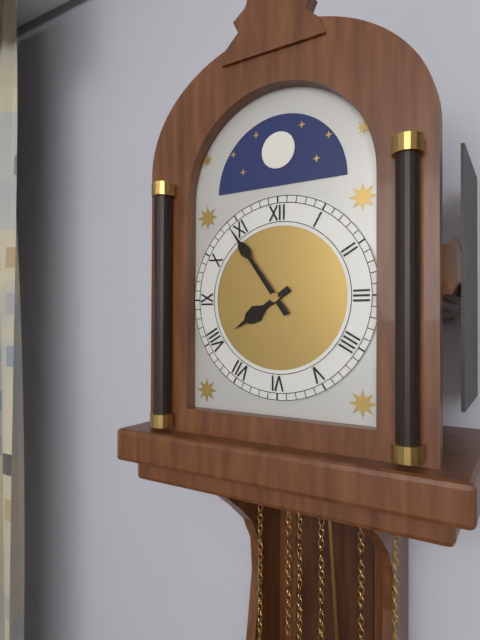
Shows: 7:54
